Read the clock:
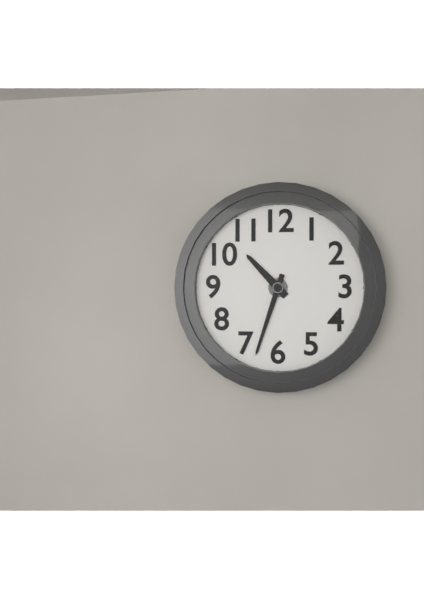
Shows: 10:33
